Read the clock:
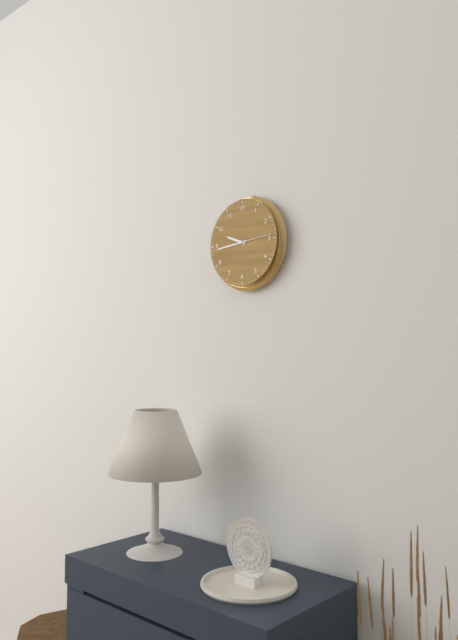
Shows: 9:44
